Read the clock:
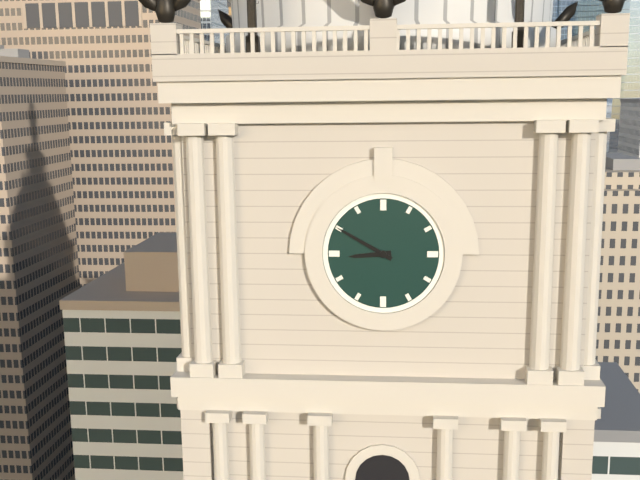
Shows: 8:50
